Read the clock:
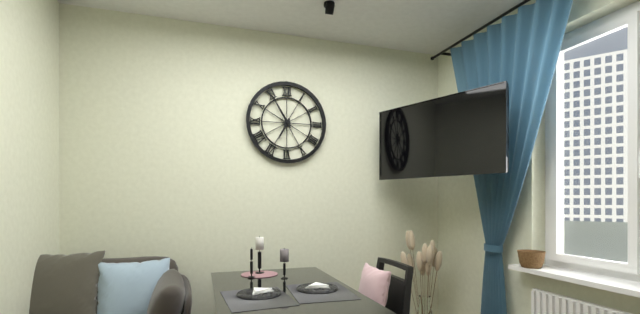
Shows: 6:55
